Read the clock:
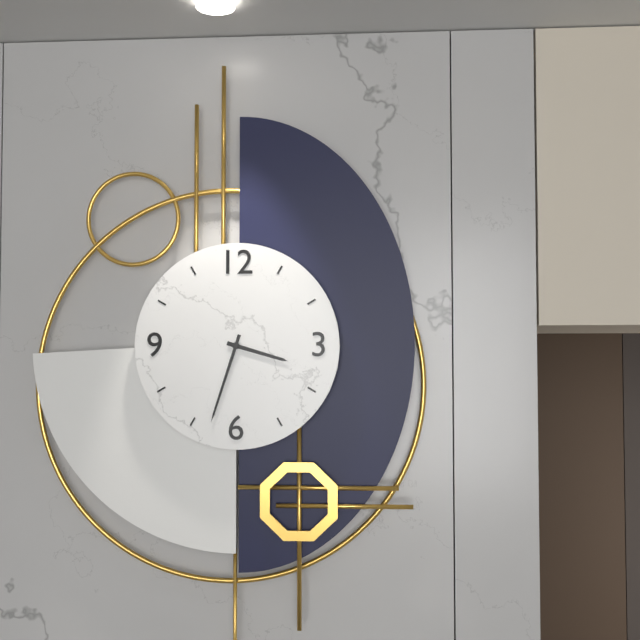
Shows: 3:33
